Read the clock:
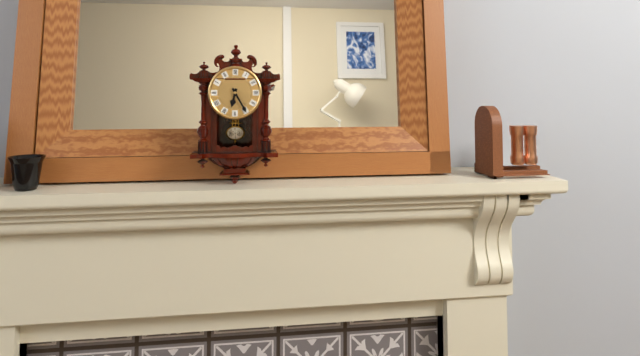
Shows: 6:25
